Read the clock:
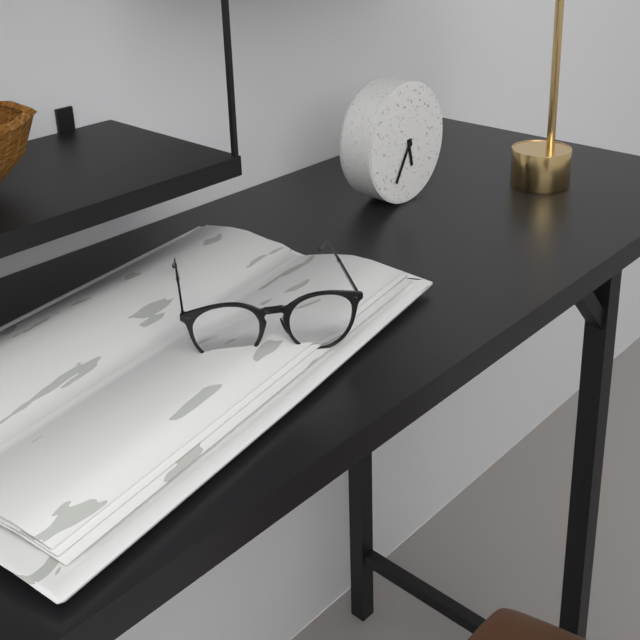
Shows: 5:35
